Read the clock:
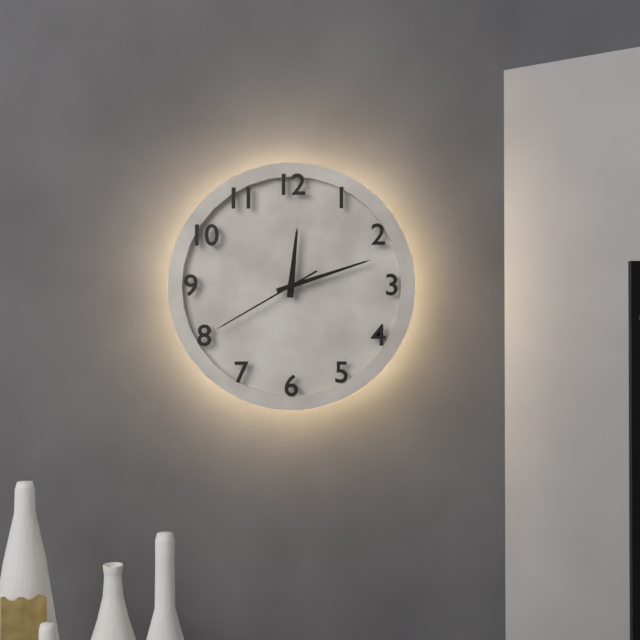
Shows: 12:12:40
